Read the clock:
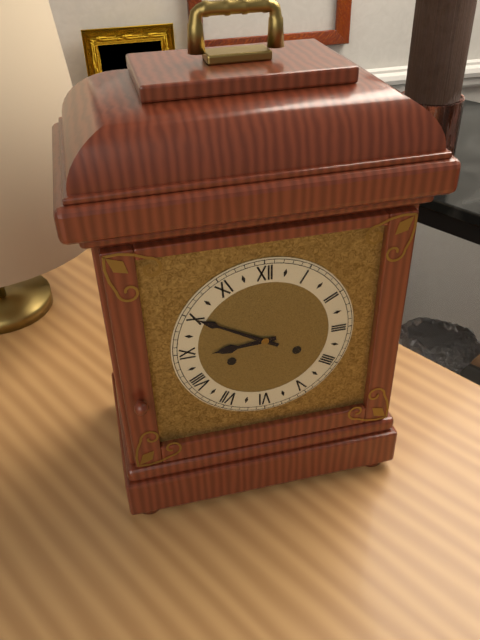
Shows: 8:50
